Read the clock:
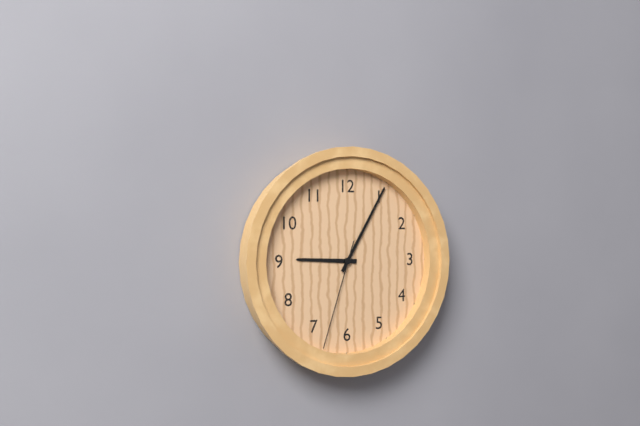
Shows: 9:05:33
